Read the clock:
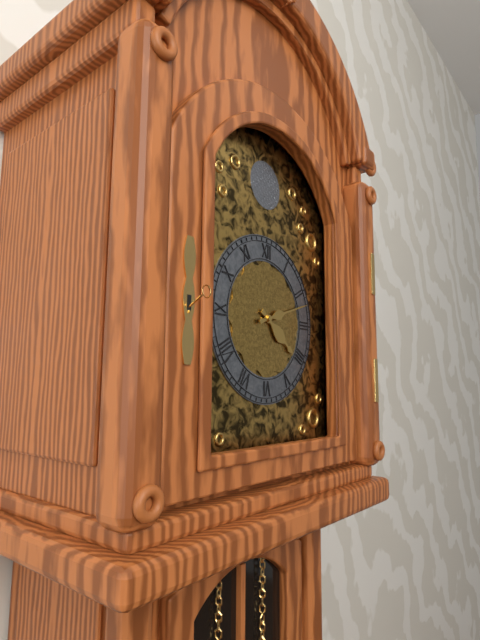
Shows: 4:12
